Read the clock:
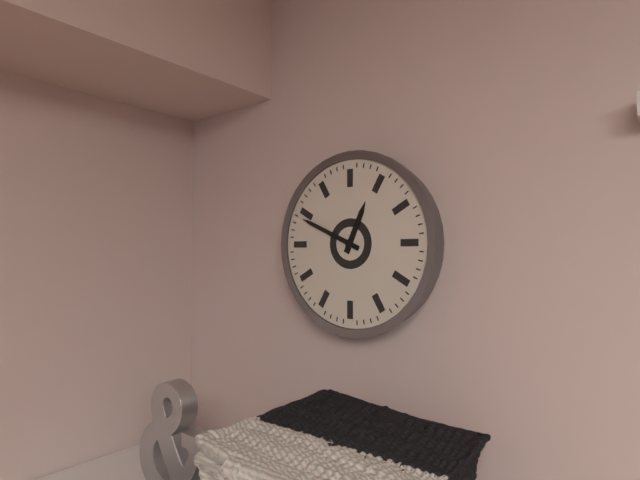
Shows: 12:49
